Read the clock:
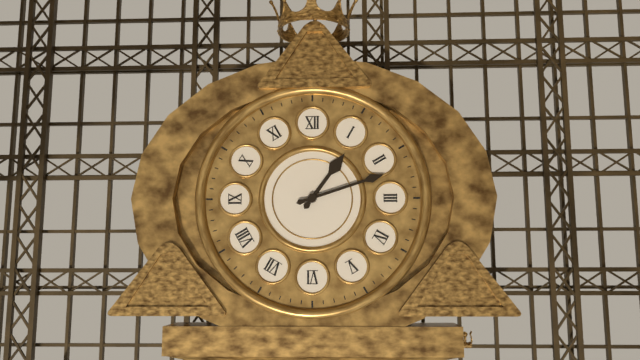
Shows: 1:12
